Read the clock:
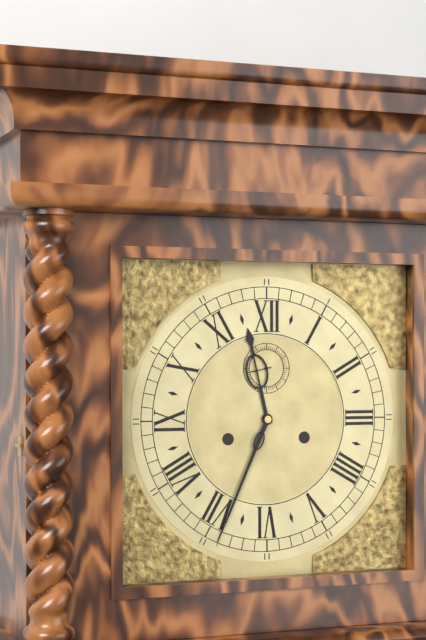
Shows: 11:34
